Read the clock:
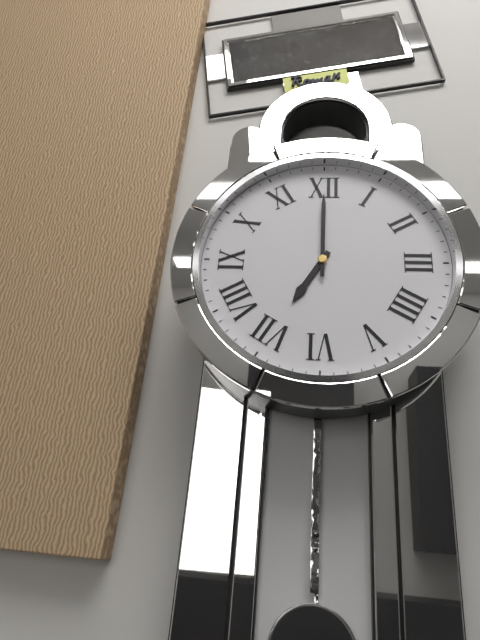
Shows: 7:00
